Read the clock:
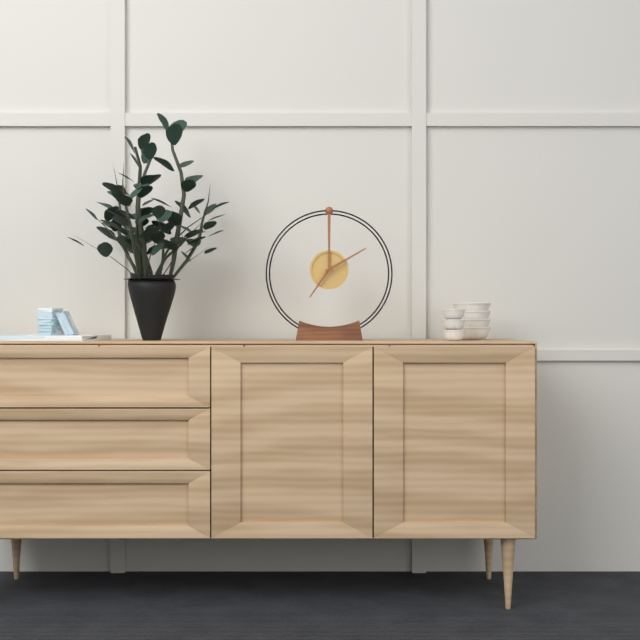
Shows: 7:10
